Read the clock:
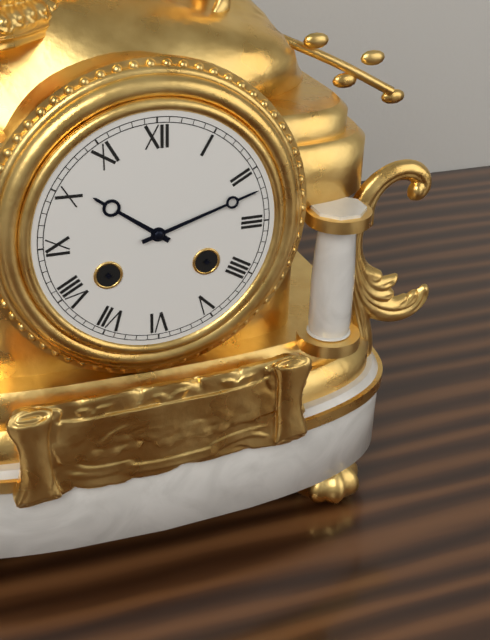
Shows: 10:12
